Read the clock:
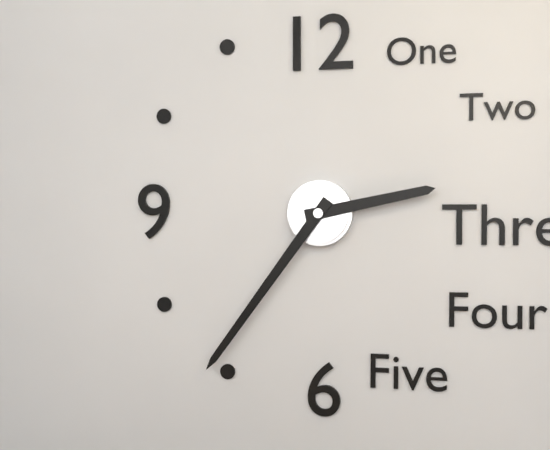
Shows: 2:36
